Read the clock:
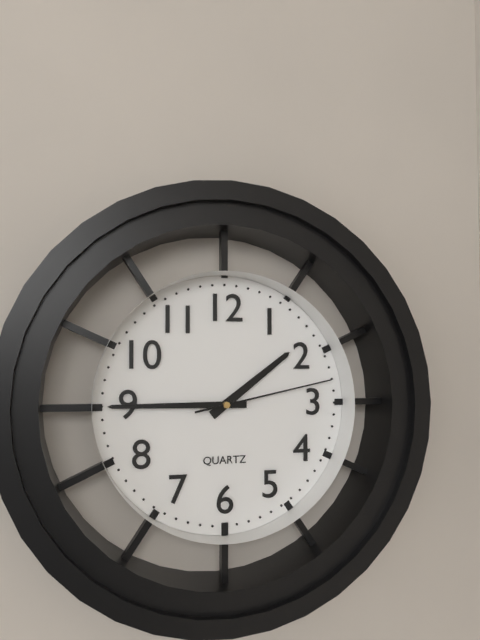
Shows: 1:45:13
